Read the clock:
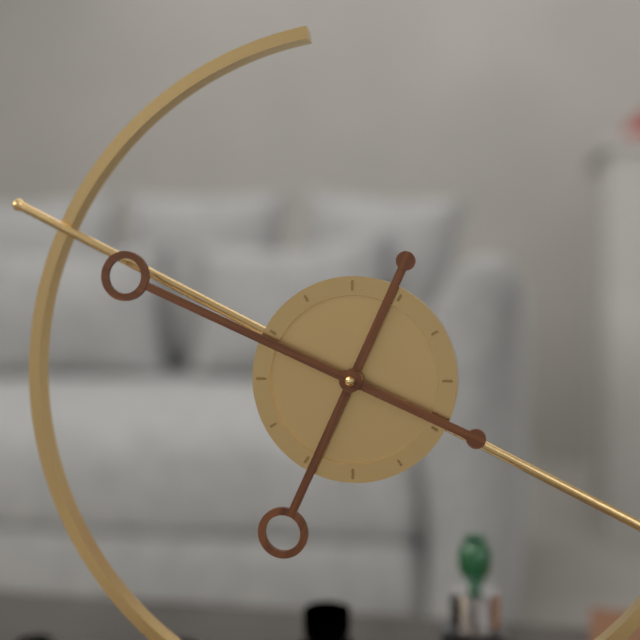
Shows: 6:49
